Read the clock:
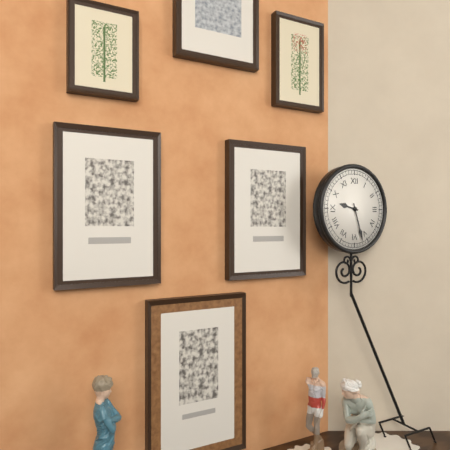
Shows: 9:27
